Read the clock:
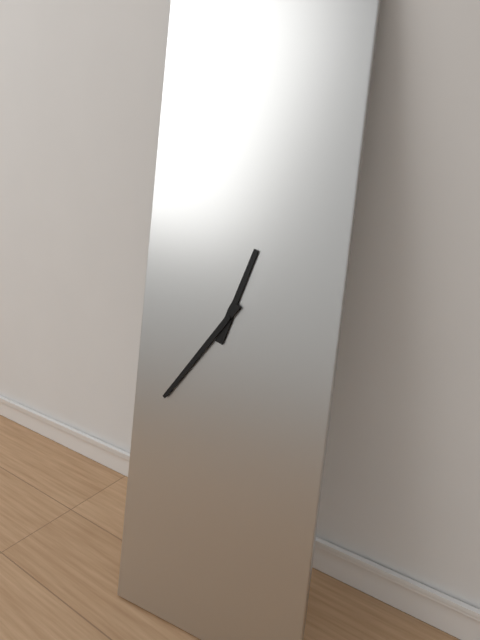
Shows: 12:36
